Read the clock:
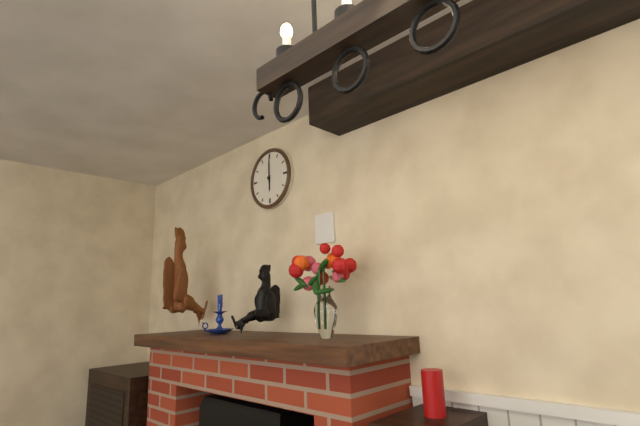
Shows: 6:00
